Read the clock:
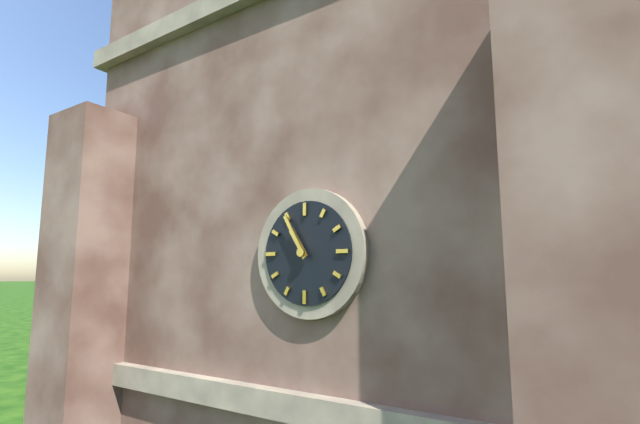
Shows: 10:55
